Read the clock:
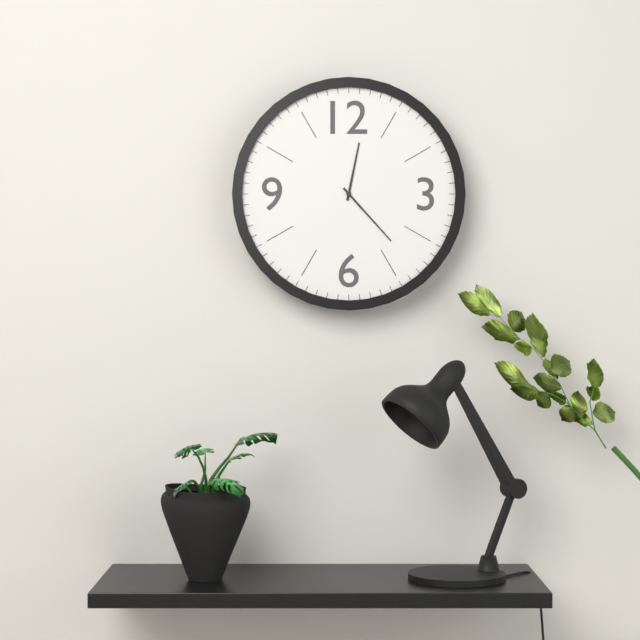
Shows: 12:23
